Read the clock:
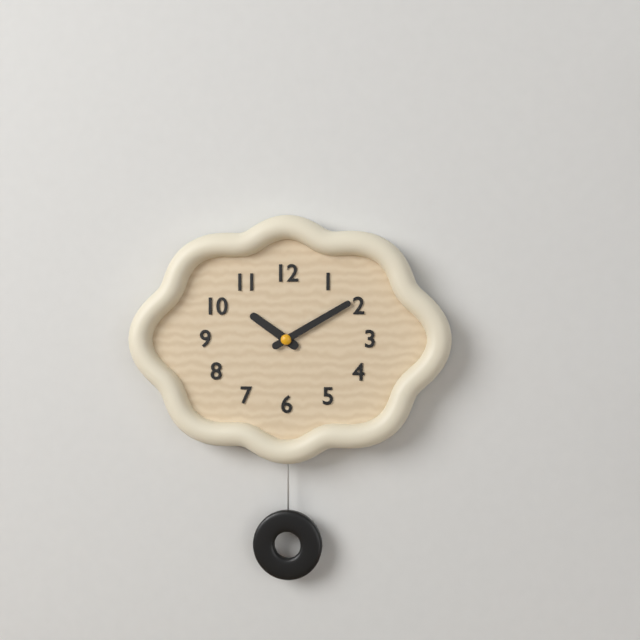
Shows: 10:10
